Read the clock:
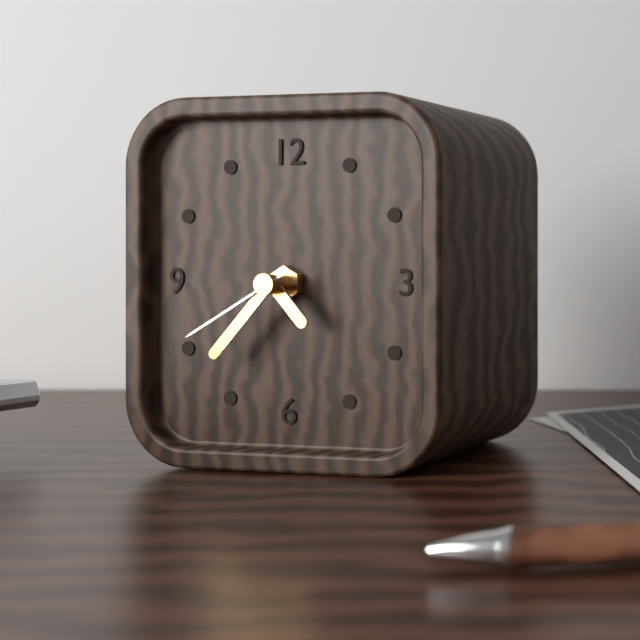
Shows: 4:37:40
